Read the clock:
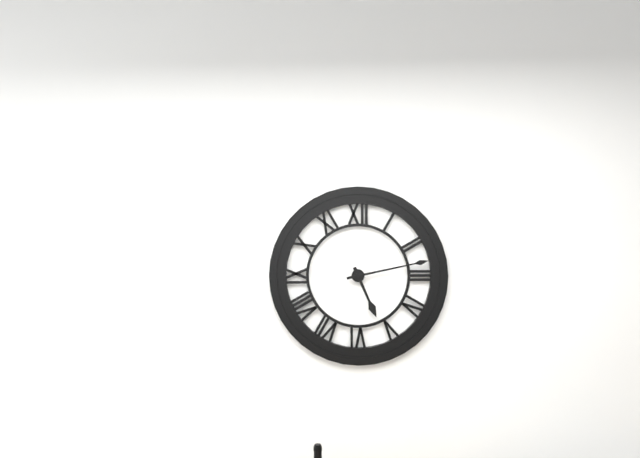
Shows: 5:13
